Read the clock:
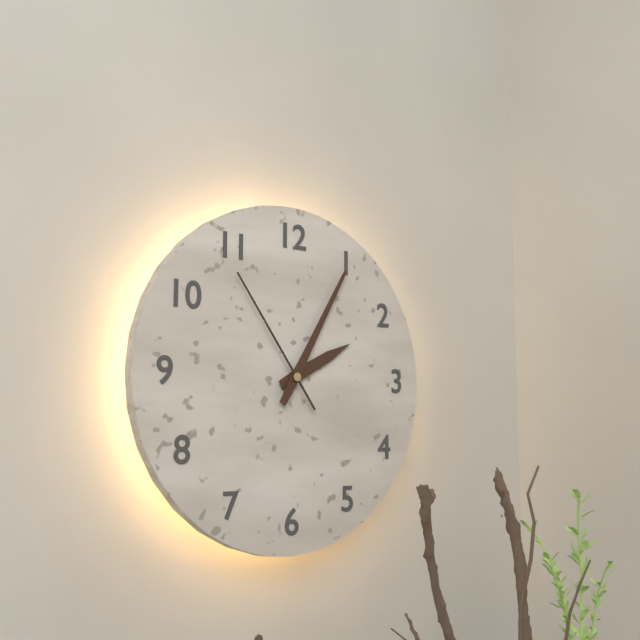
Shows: 2:05:54
